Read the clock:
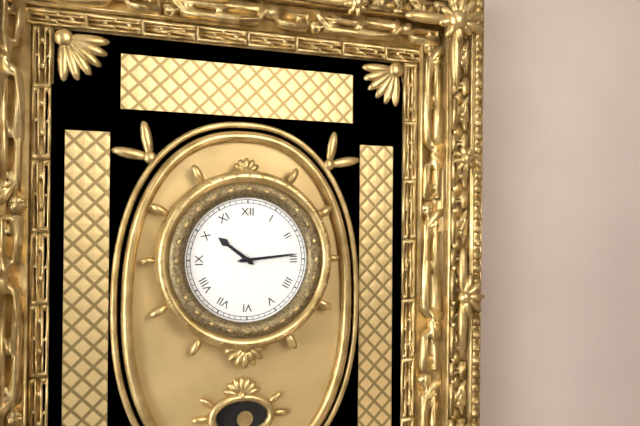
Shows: 10:14
